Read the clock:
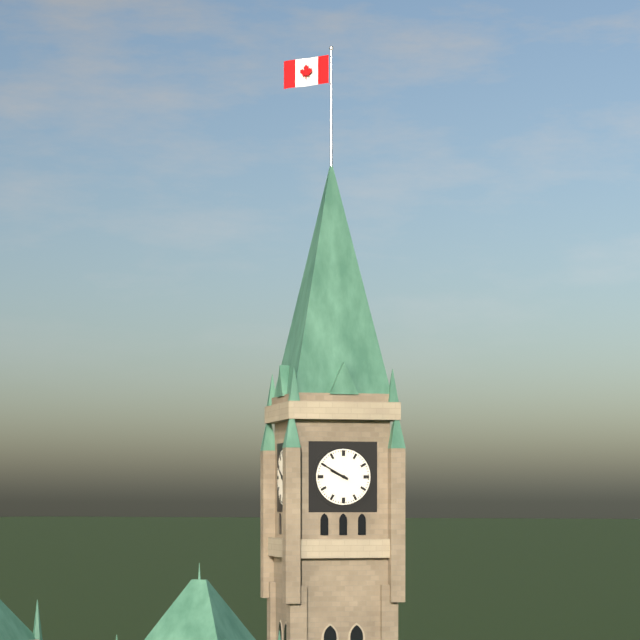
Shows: 9:50
